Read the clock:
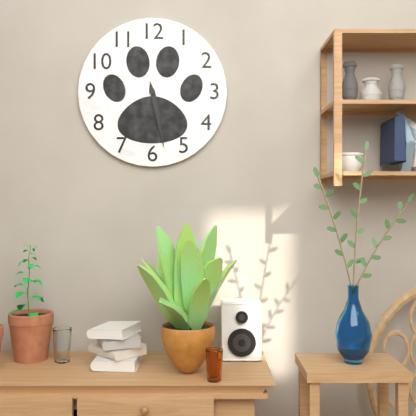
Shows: 5:28
